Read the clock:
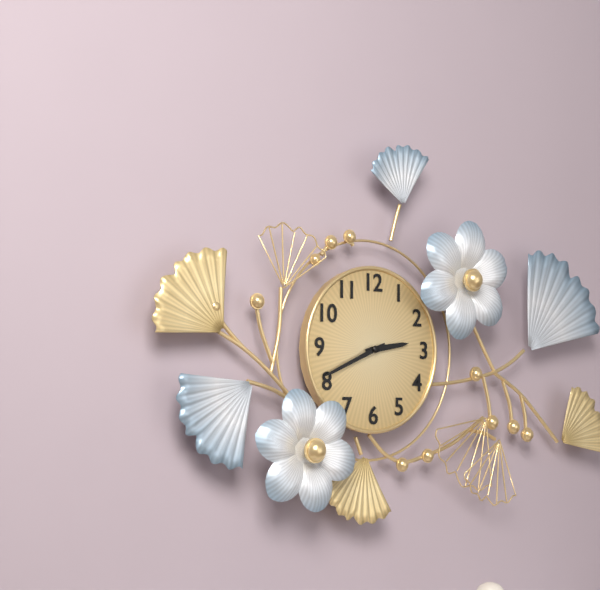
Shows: 2:41
